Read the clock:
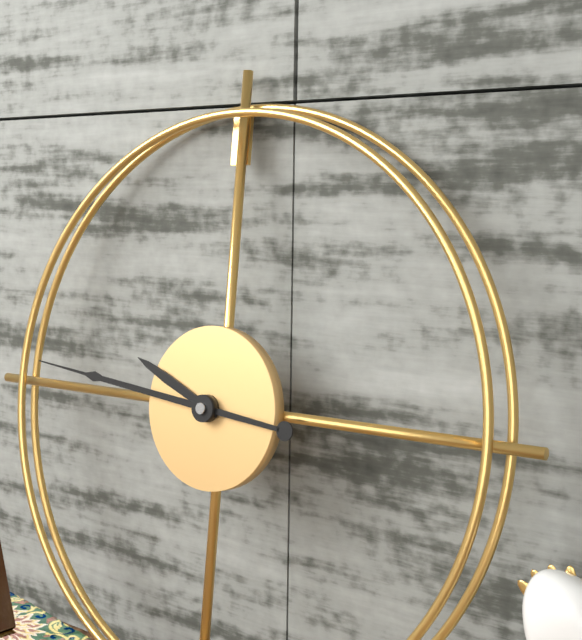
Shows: 9:46
